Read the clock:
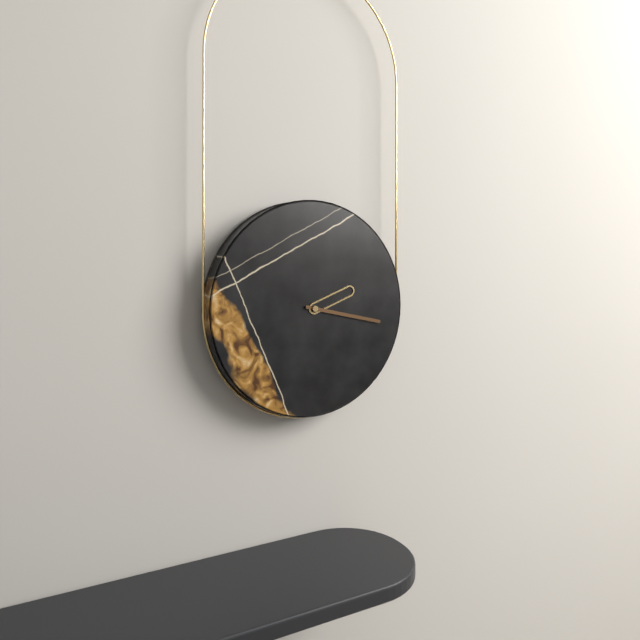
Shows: 2:17
